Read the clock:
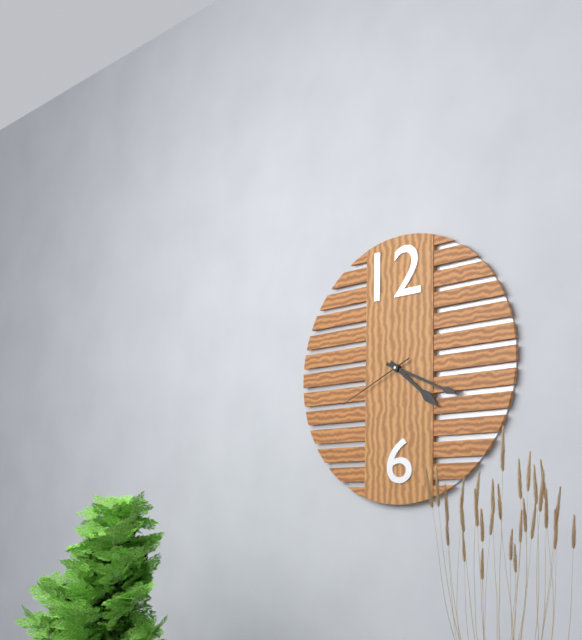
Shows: 4:19:41
